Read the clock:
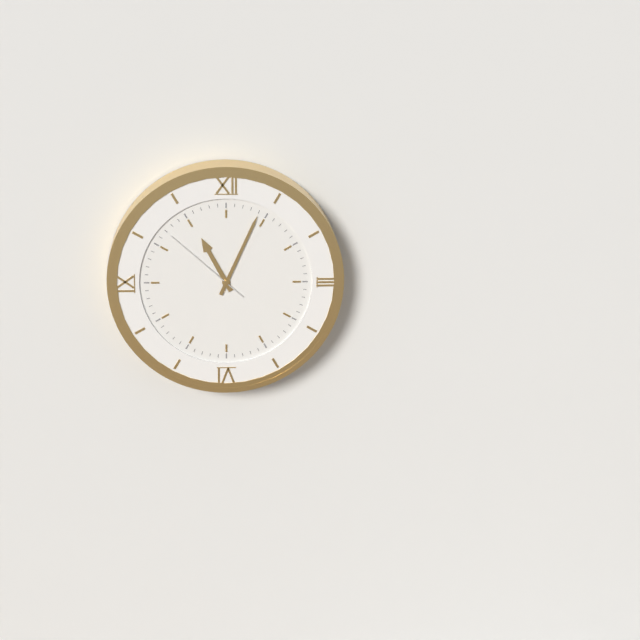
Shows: 11:04:52
